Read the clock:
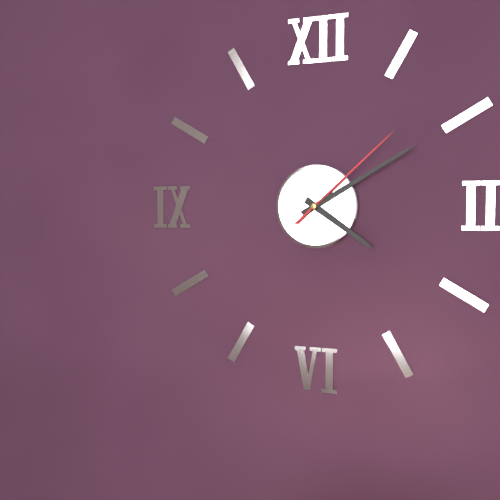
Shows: 4:10:08
